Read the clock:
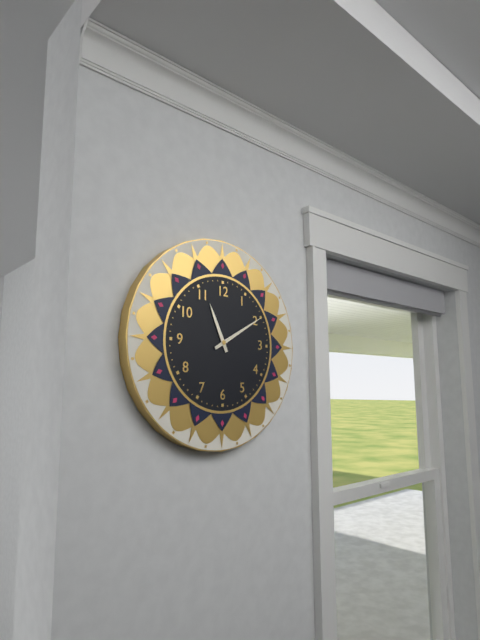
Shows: 11:10
